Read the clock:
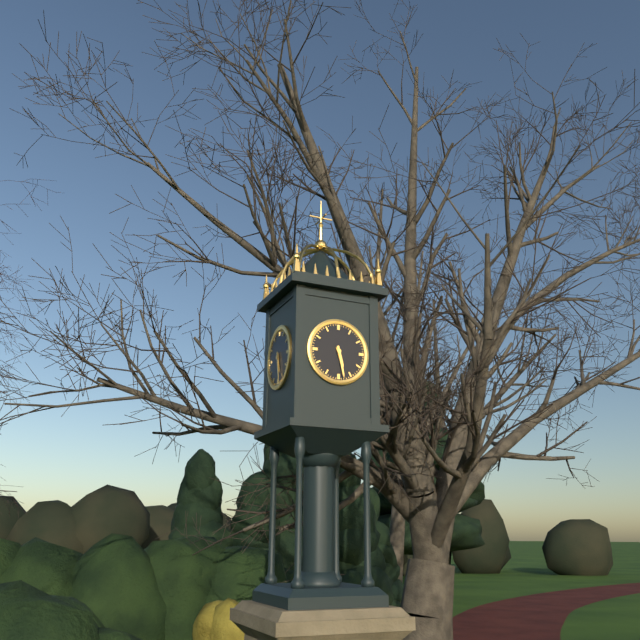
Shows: 5:28
